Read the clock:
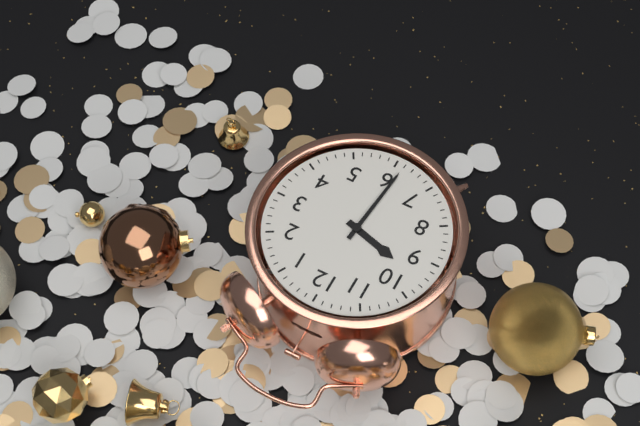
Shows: 9:31
